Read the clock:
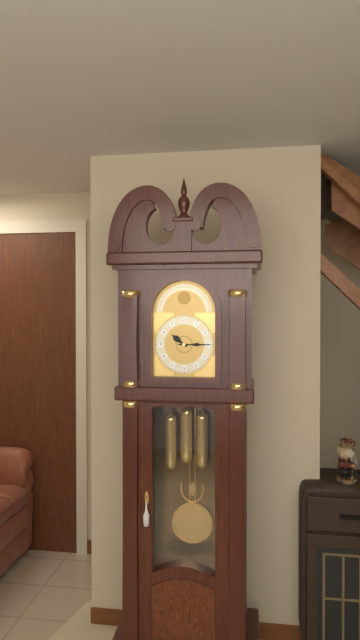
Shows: 10:15
